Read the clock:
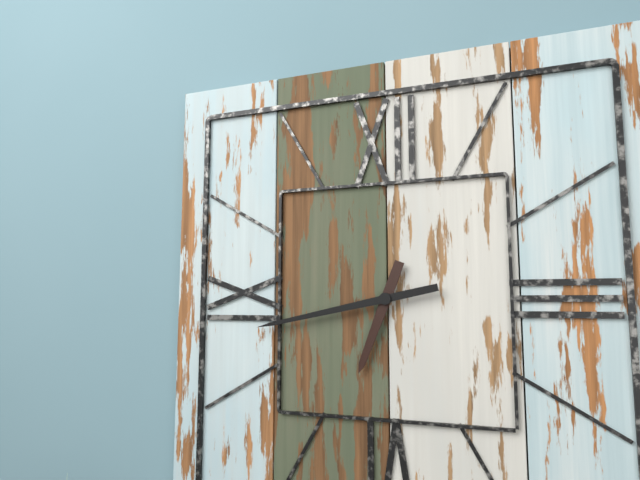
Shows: 6:43
